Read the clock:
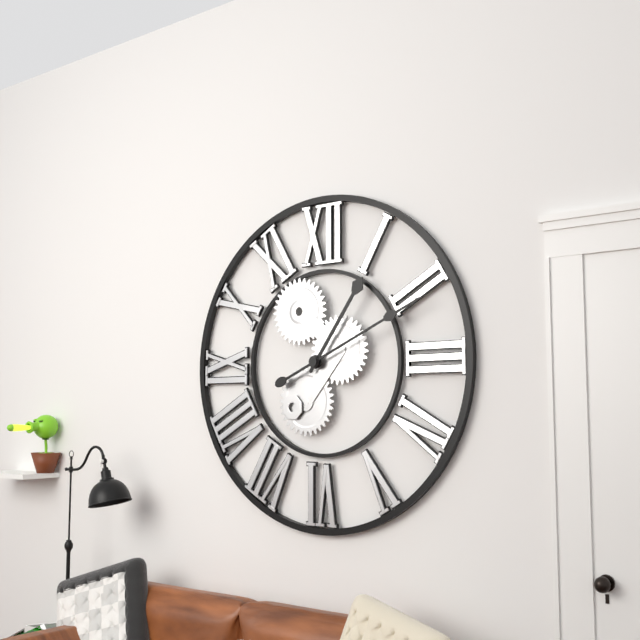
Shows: 1:11
